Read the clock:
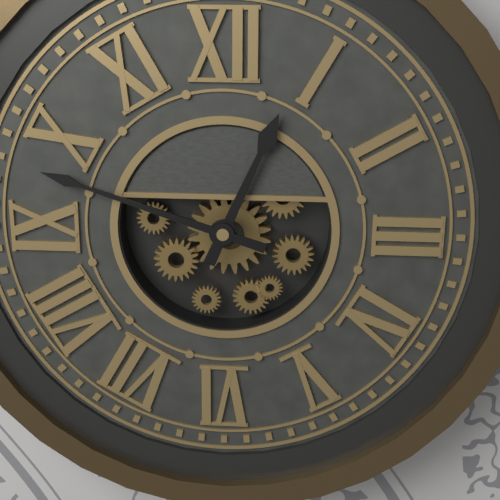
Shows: 12:48
